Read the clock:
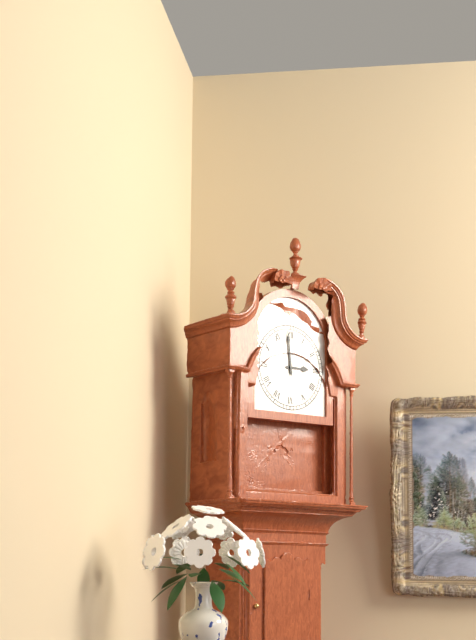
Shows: 2:59
